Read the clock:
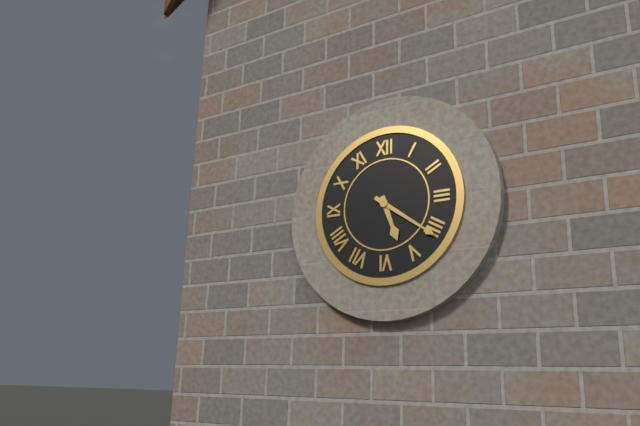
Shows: 5:21
